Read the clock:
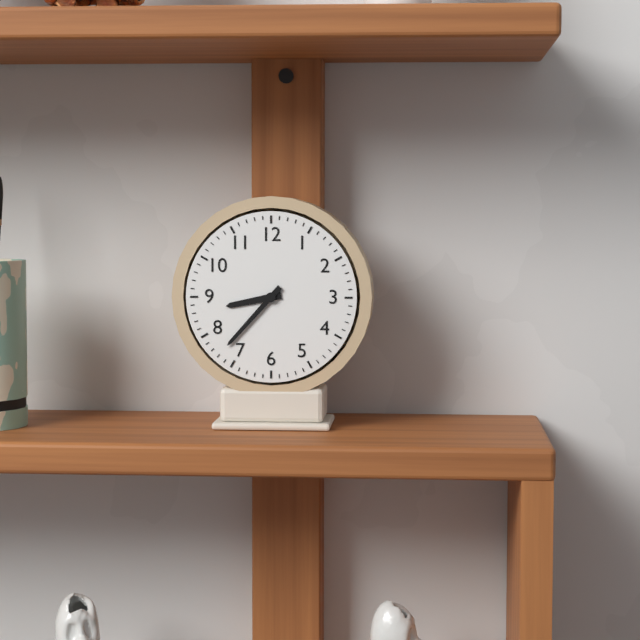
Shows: 8:37
